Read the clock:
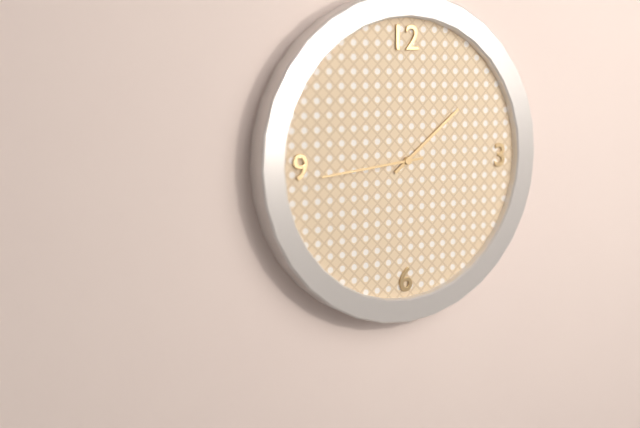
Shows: 1:44
